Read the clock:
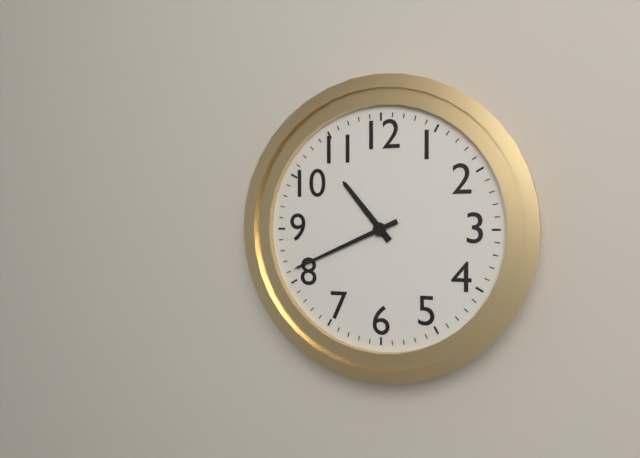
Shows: 10:41
